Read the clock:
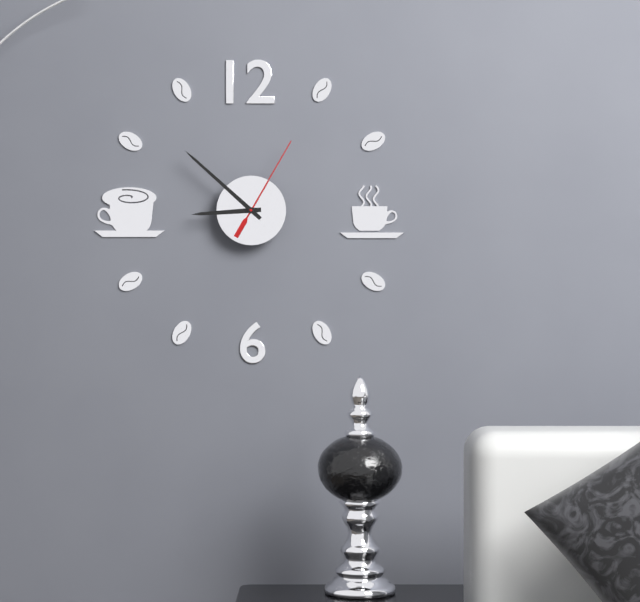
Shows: 8:52:05
